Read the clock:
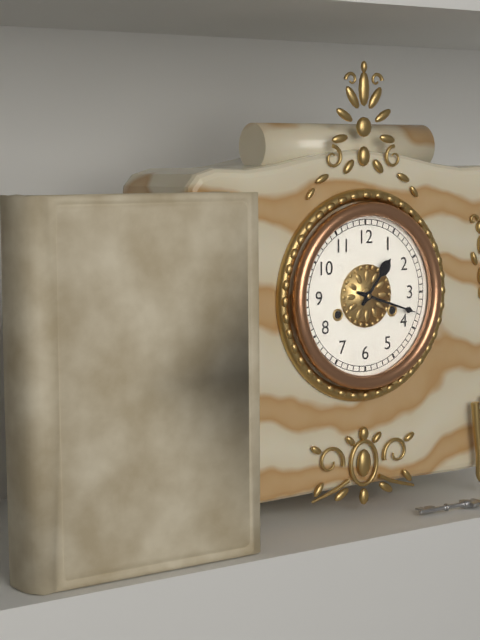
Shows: 1:18
